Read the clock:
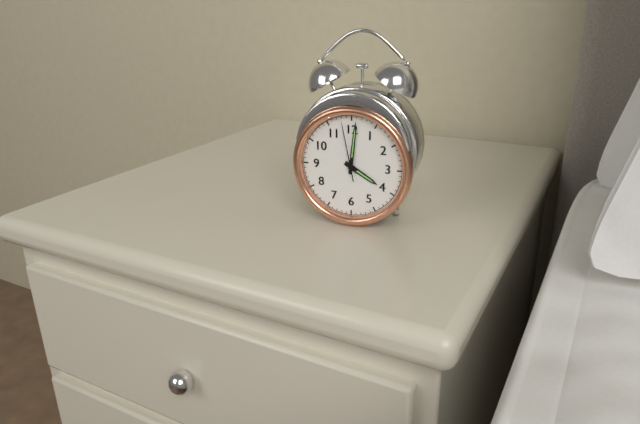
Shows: 4:01:58
